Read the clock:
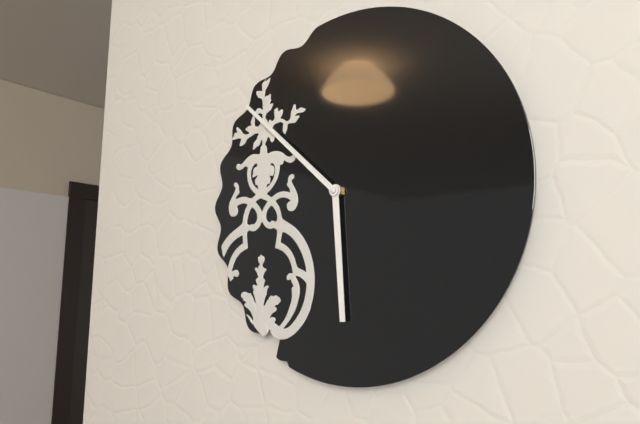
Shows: 5:52
